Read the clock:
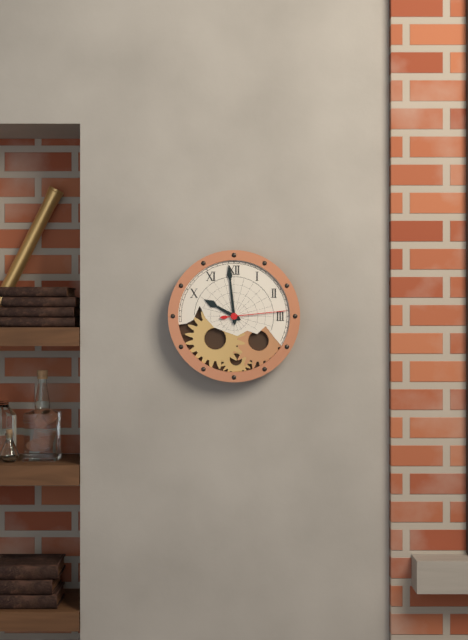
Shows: 9:59:14
